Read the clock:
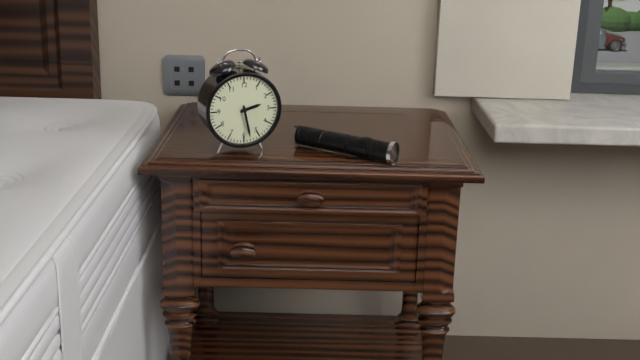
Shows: 2:28
